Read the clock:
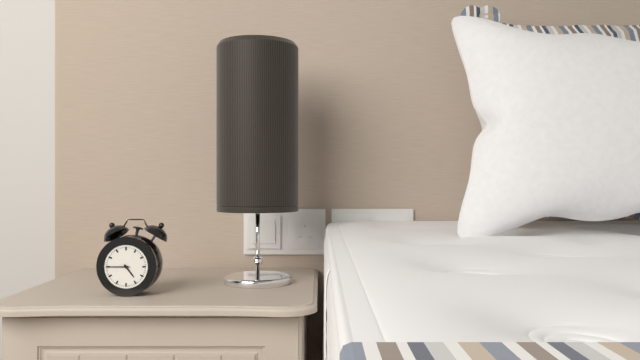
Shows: 4:45
